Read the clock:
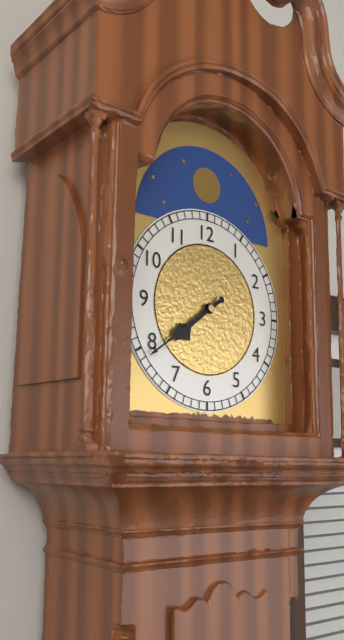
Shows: 7:39
